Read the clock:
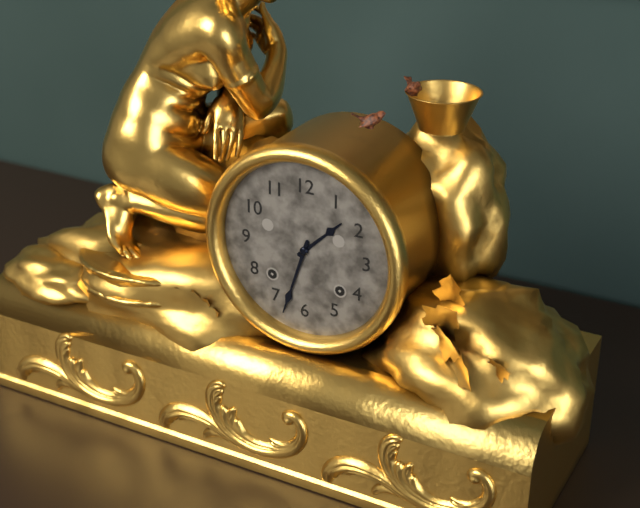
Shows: 1:33
